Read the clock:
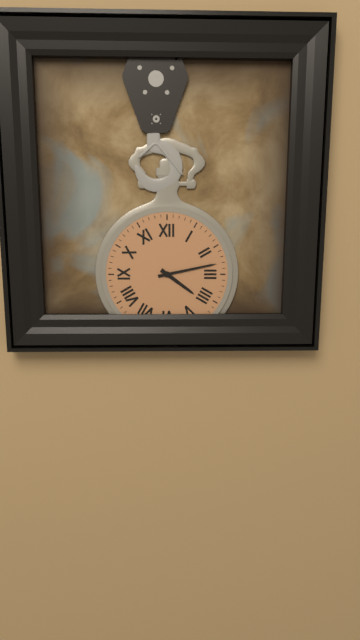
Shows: 4:13
